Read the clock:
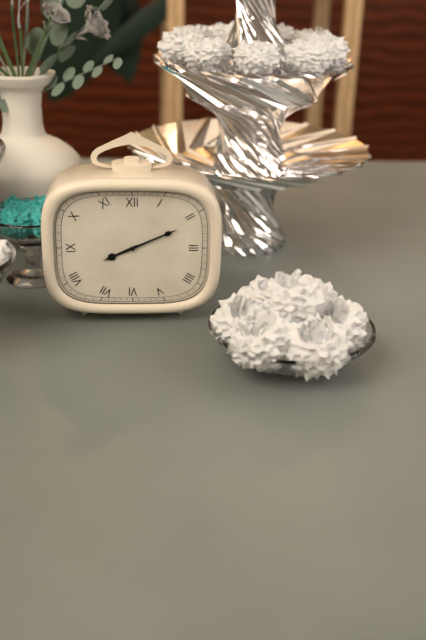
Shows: 8:11
